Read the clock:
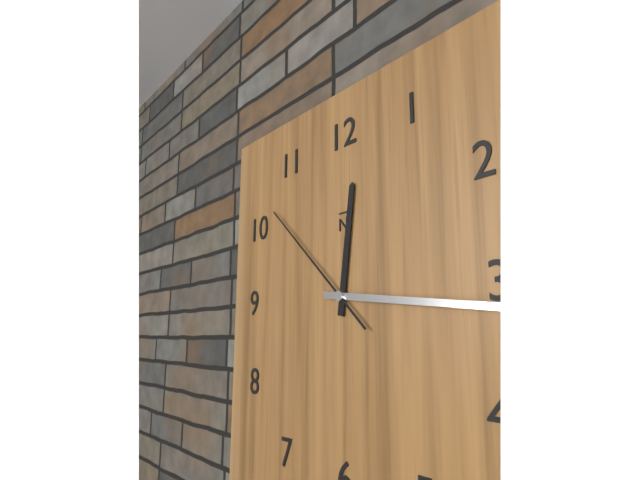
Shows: 12:16:52
